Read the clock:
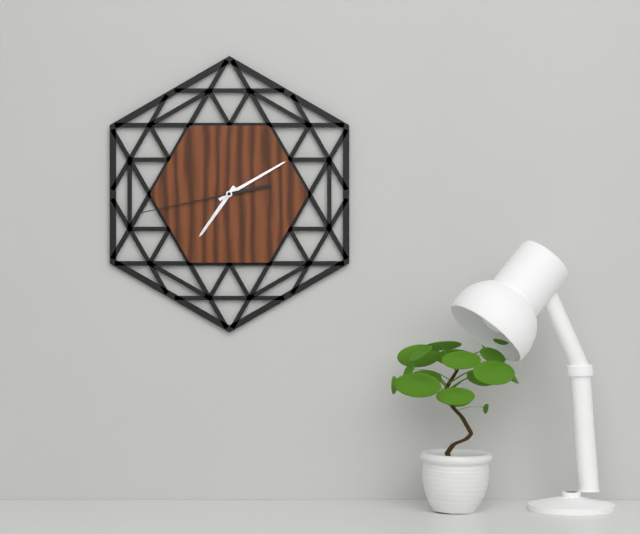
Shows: 7:10:43
